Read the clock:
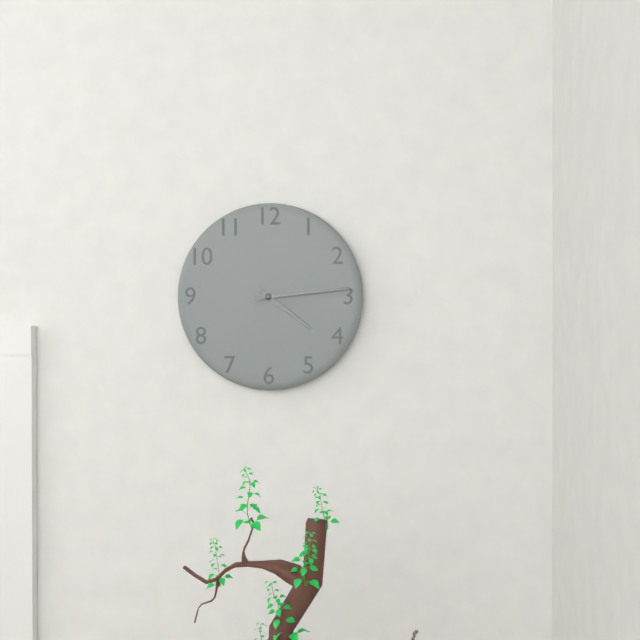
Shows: 4:14
